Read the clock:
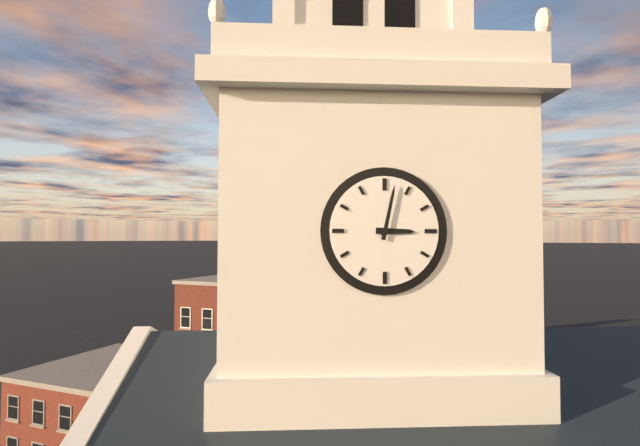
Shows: 3:02
